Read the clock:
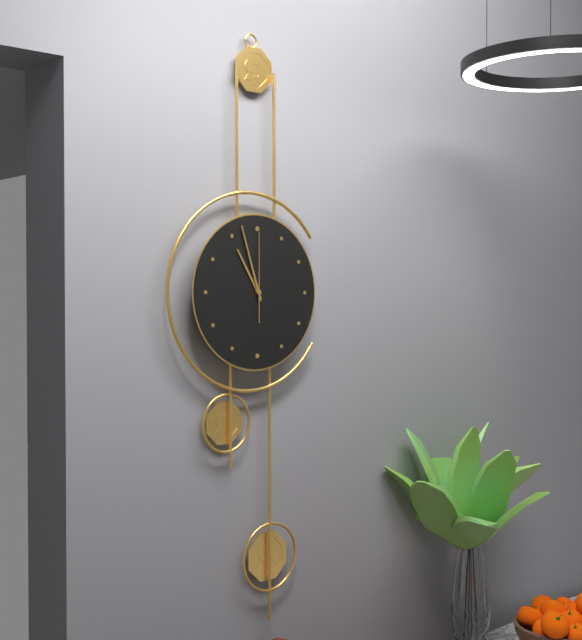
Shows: 10:57:00
